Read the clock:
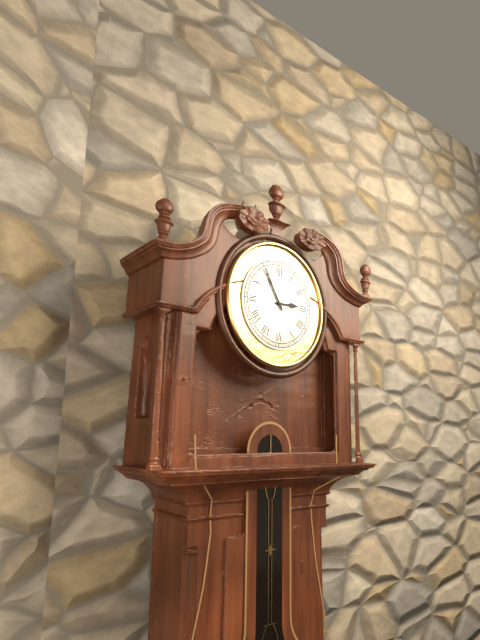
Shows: 2:55
